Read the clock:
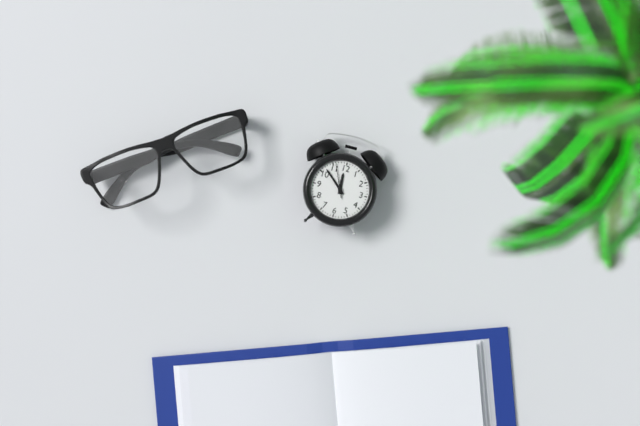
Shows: 11:52
